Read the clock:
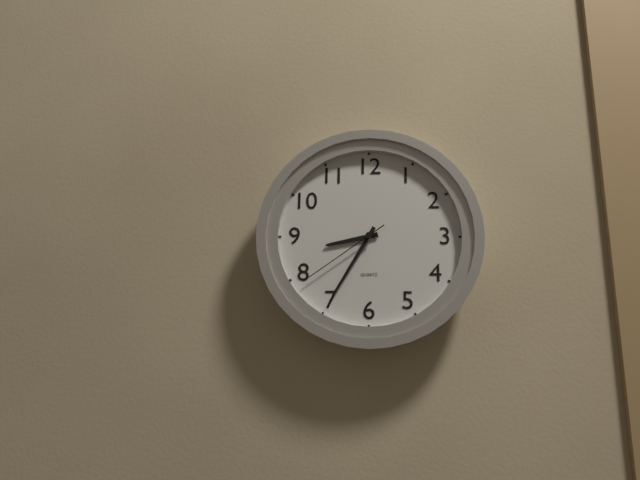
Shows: 8:35:39
